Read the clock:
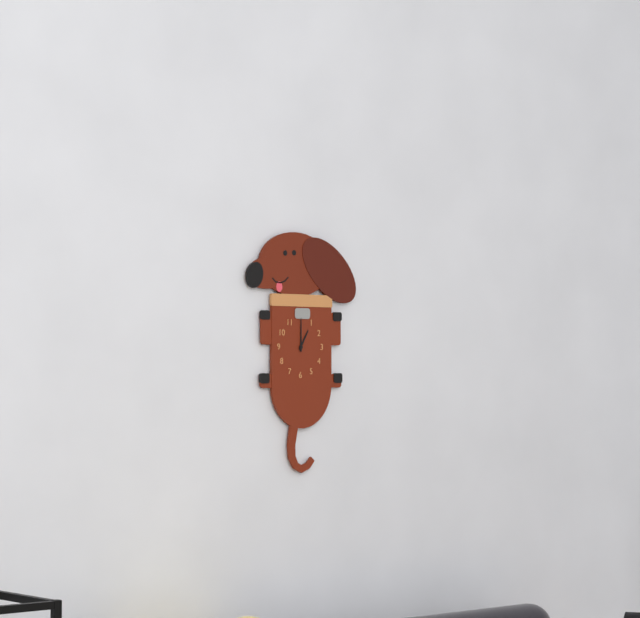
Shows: 1:00
